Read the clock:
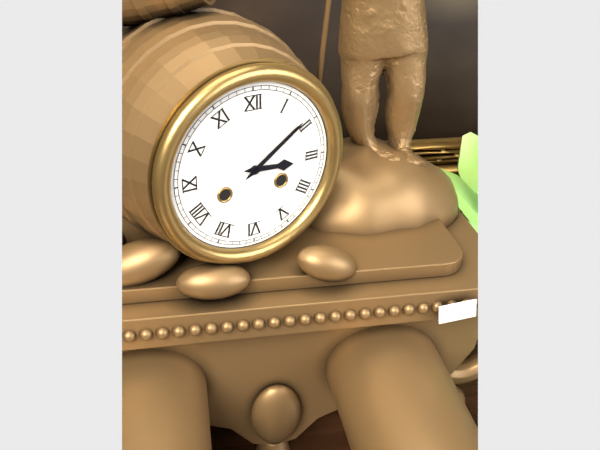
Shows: 3:09
